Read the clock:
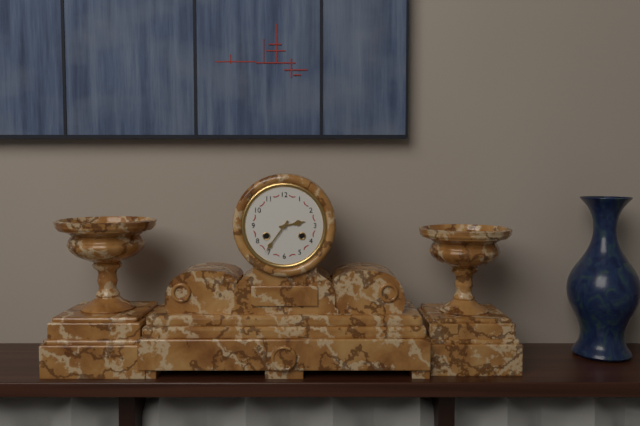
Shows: 2:36
